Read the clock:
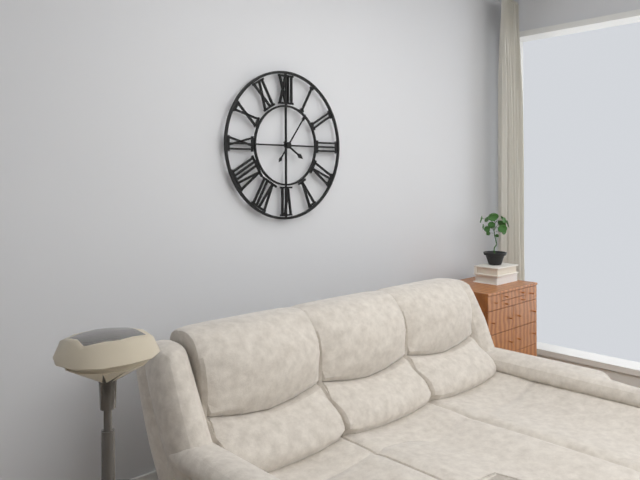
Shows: 4:06
